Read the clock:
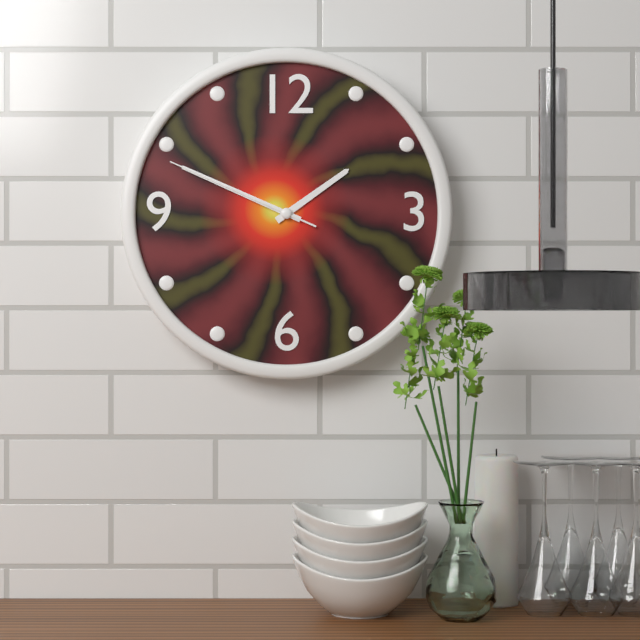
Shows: 1:49:49
